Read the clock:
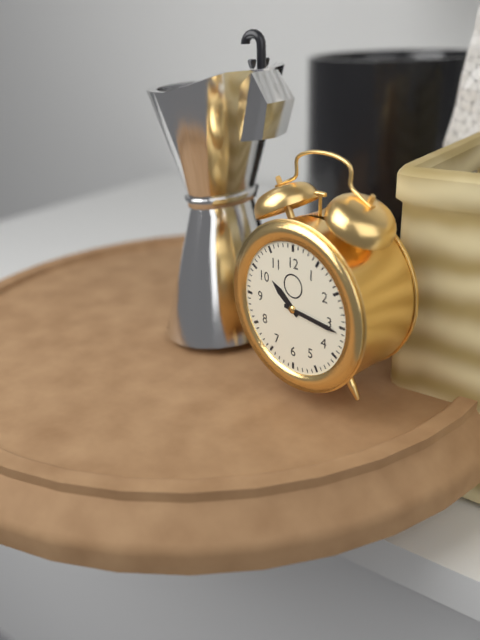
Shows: 10:16
